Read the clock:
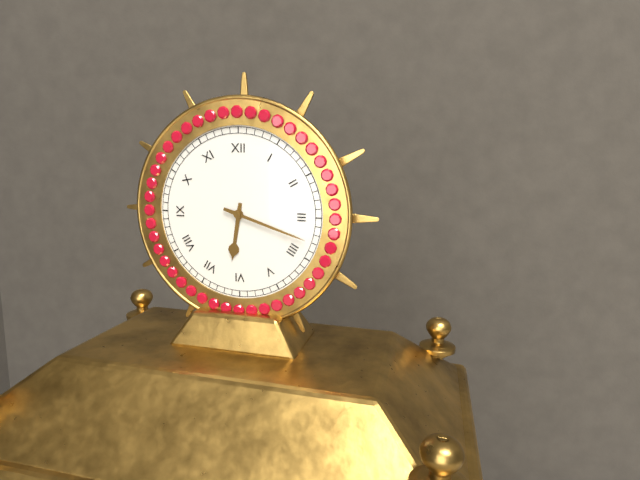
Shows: 6:18
